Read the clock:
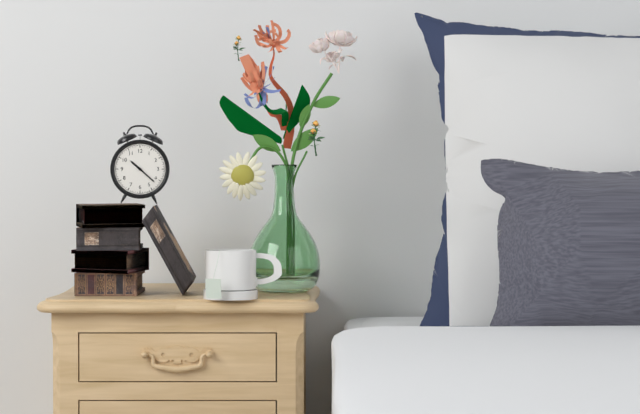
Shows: 10:22
